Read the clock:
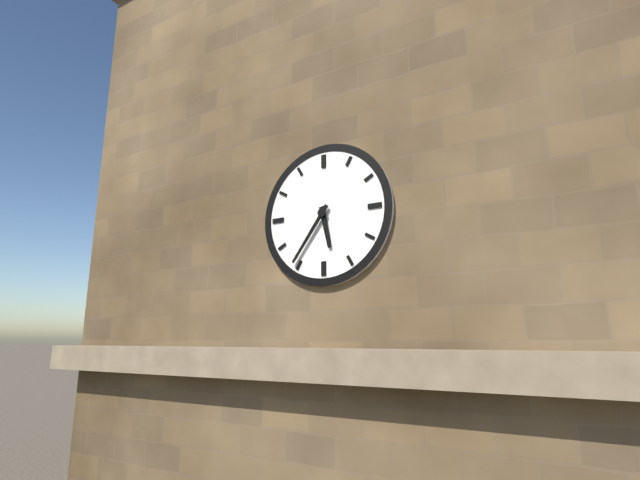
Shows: 5:36
